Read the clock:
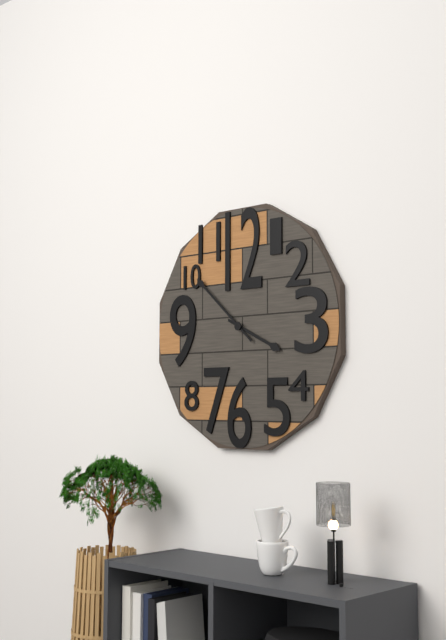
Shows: 3:52
